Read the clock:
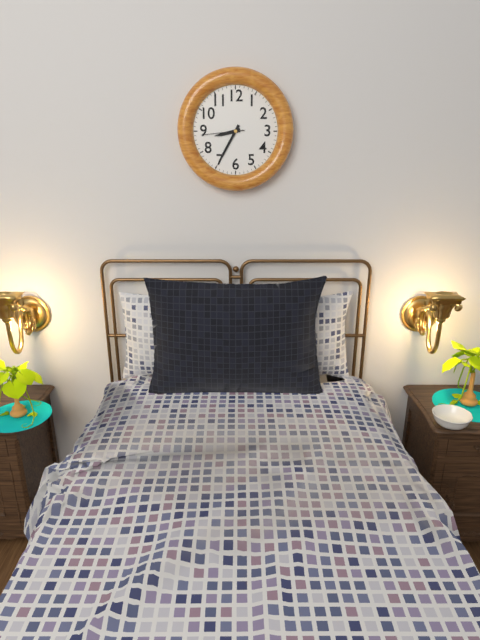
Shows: 8:35
